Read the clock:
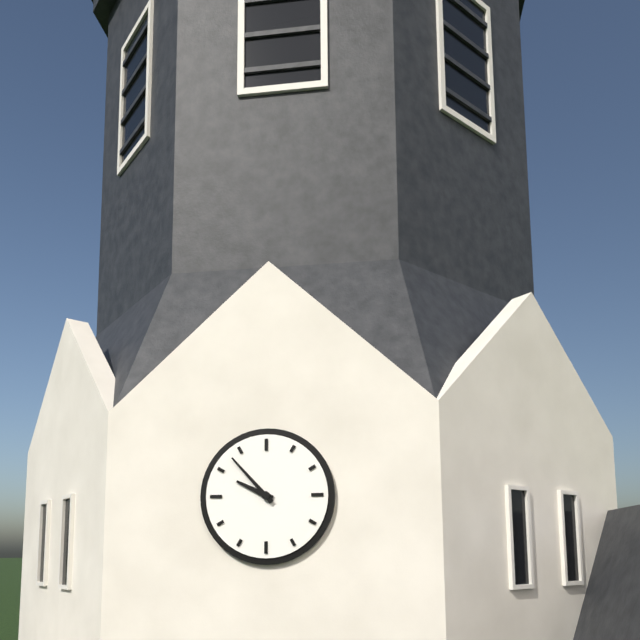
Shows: 9:53
